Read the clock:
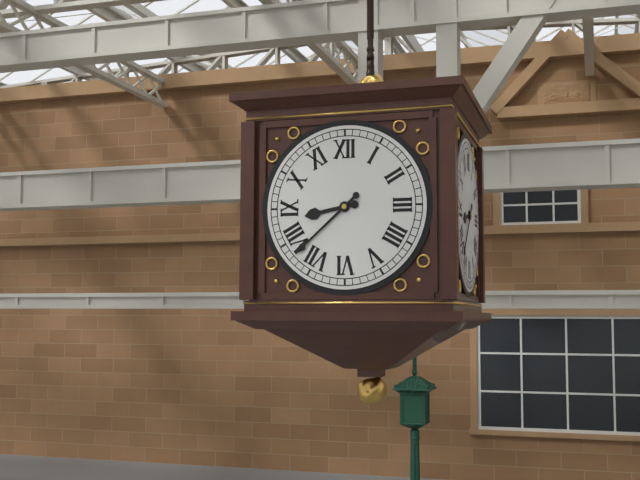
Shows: 8:38
